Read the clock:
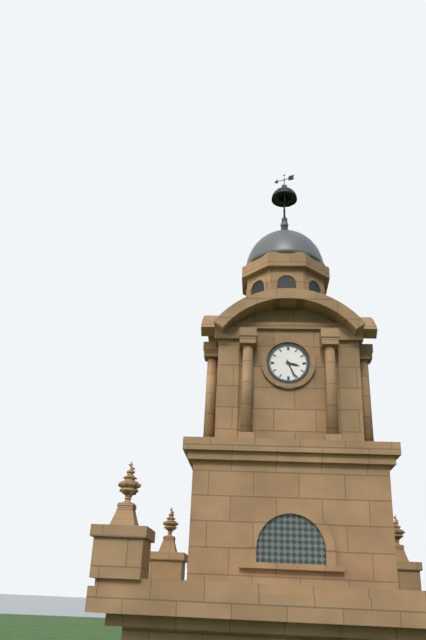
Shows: 3:26
